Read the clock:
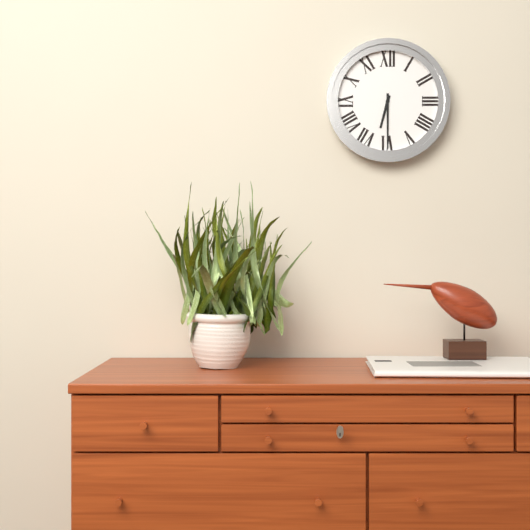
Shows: 6:30
